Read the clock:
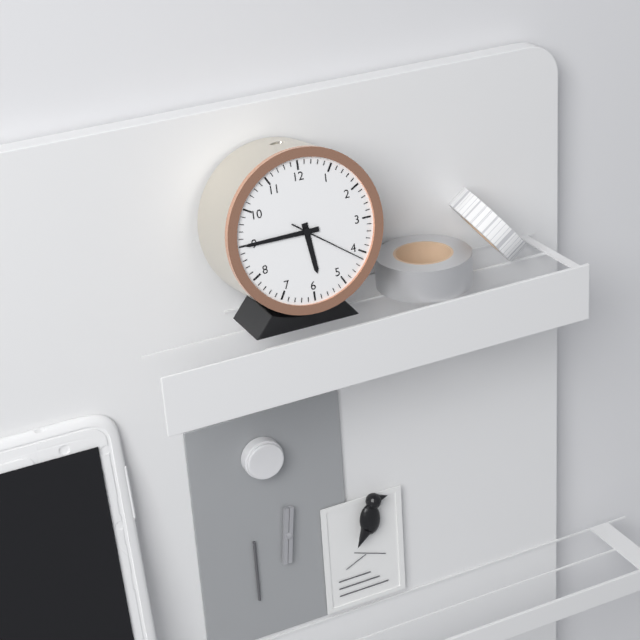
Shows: 5:45:21
